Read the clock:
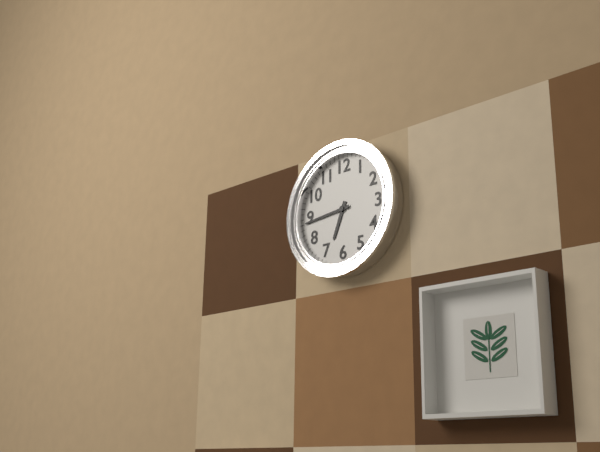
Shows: 6:44
